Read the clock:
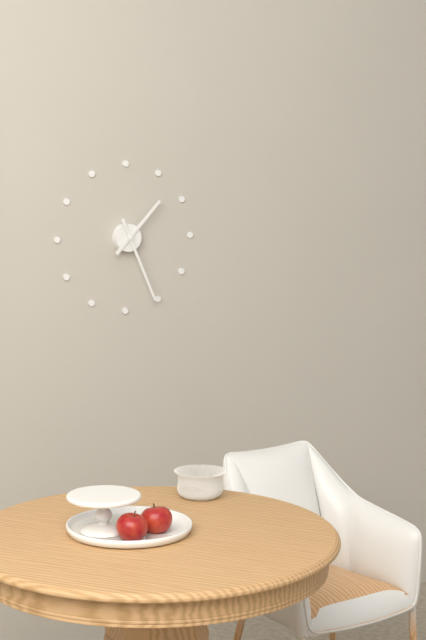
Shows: 1:26
